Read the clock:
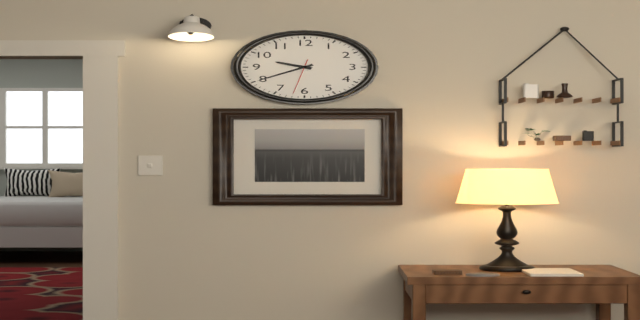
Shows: 9:40
